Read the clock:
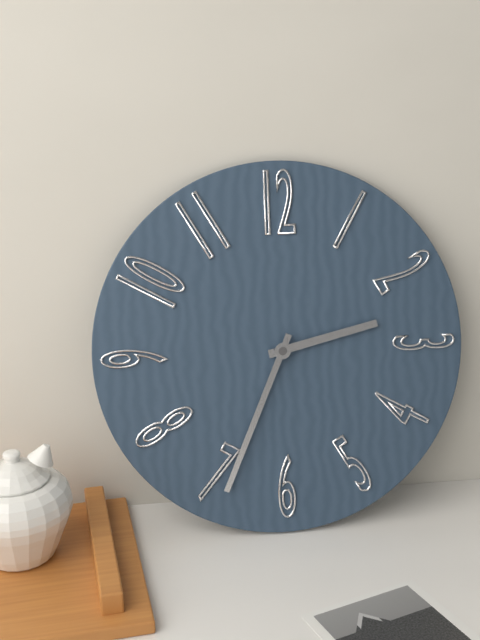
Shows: 2:34
